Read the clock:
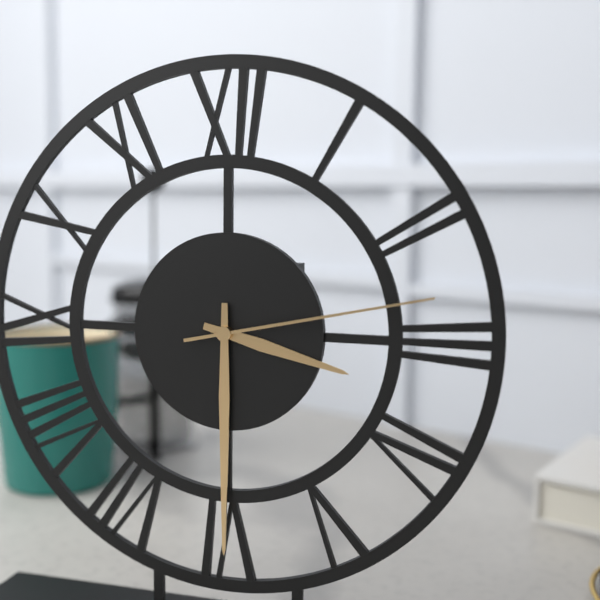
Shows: 3:30:13
